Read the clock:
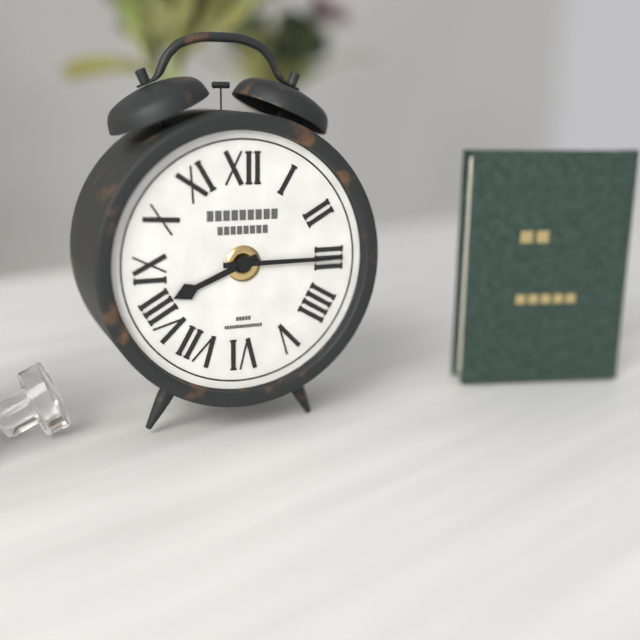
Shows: 8:15
